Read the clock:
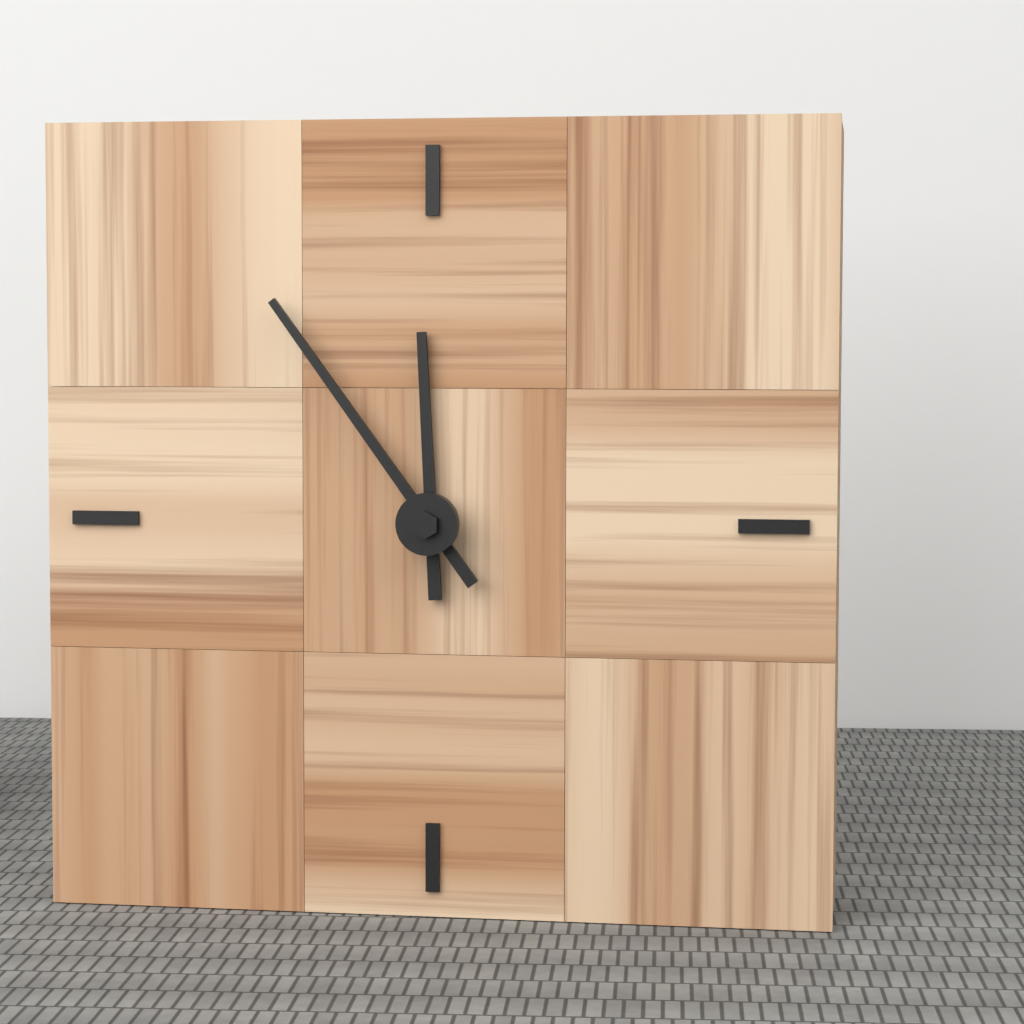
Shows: 11:54
